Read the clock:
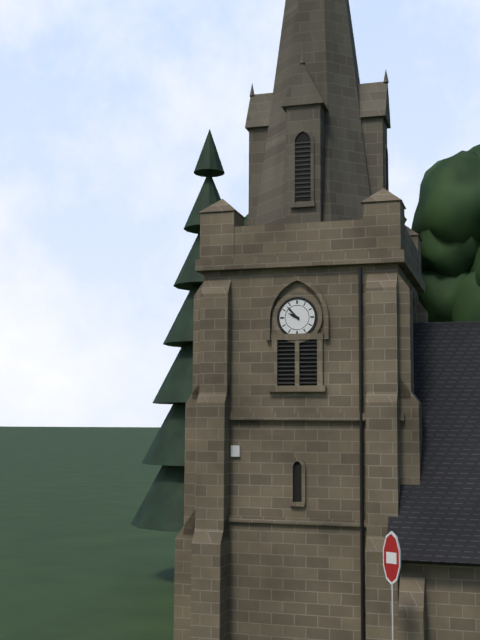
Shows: 9:53
